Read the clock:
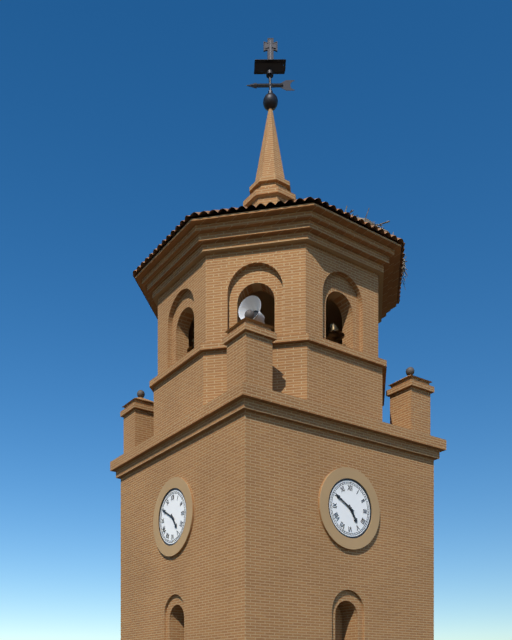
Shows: 4:50
